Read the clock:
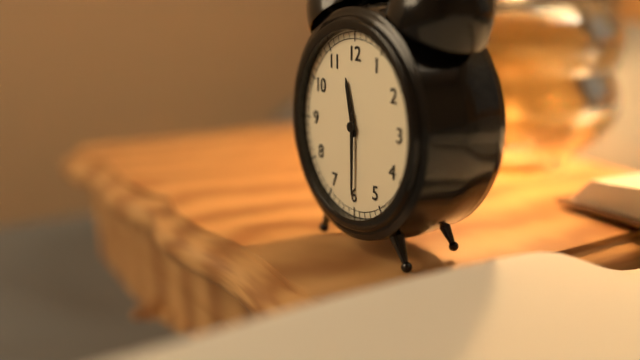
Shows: 11:30
